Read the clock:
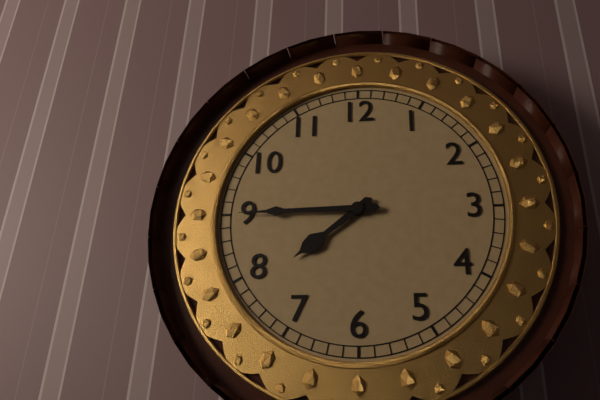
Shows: 7:45
